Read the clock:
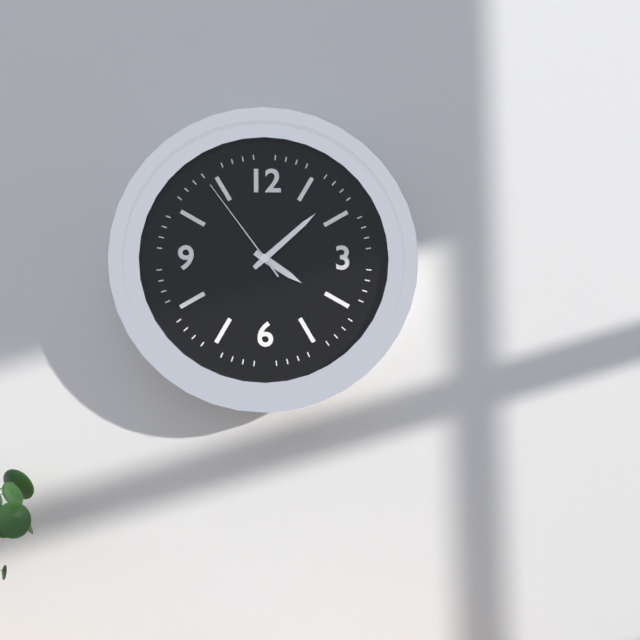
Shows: 4:08:54
